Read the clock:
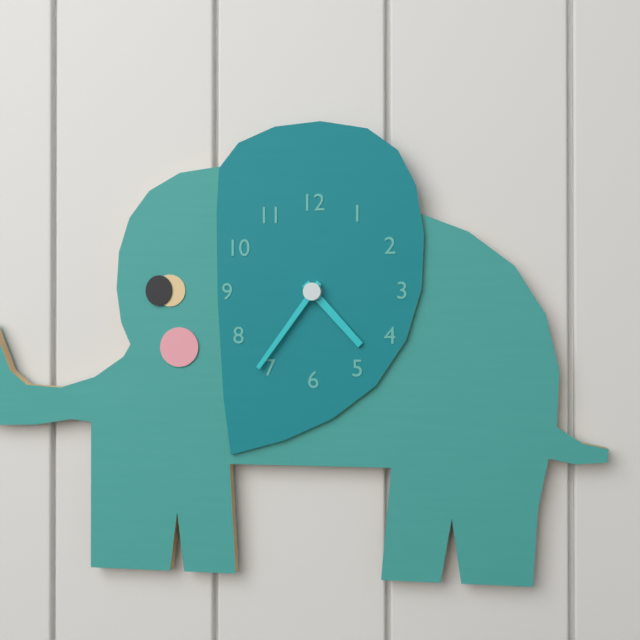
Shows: 4:36
